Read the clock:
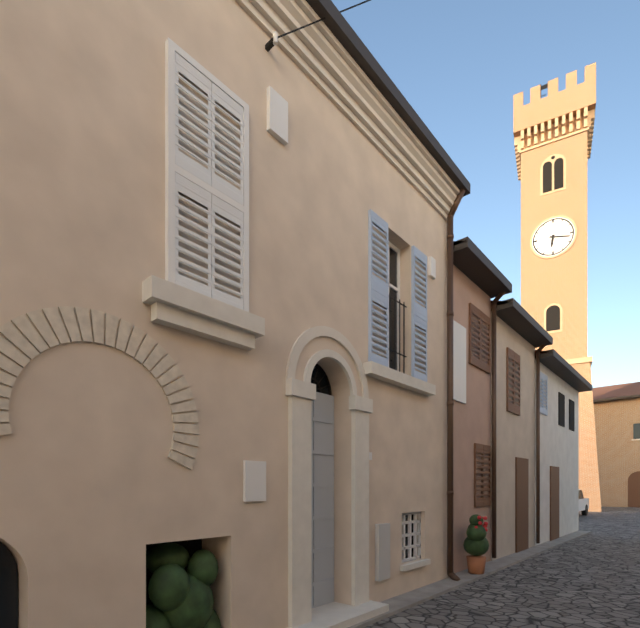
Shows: 6:17
